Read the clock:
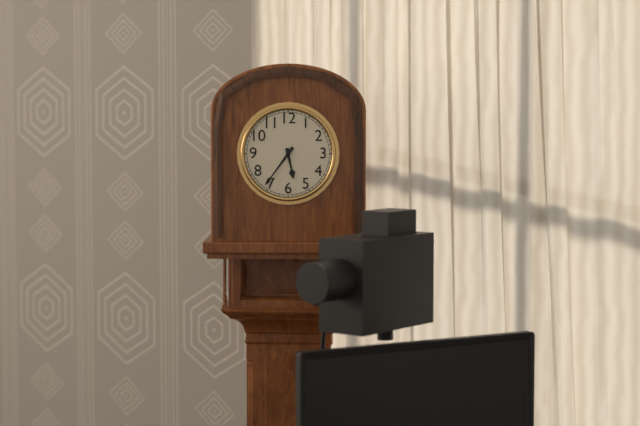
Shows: 5:36
